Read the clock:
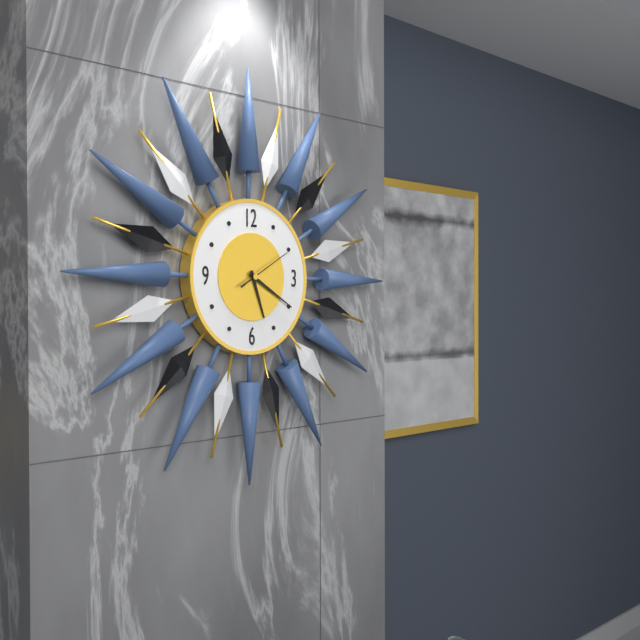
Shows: 5:20:10
